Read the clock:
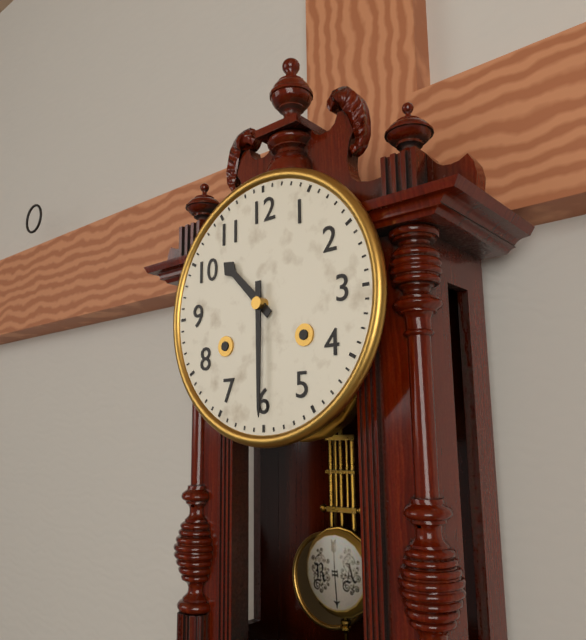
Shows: 10:30
